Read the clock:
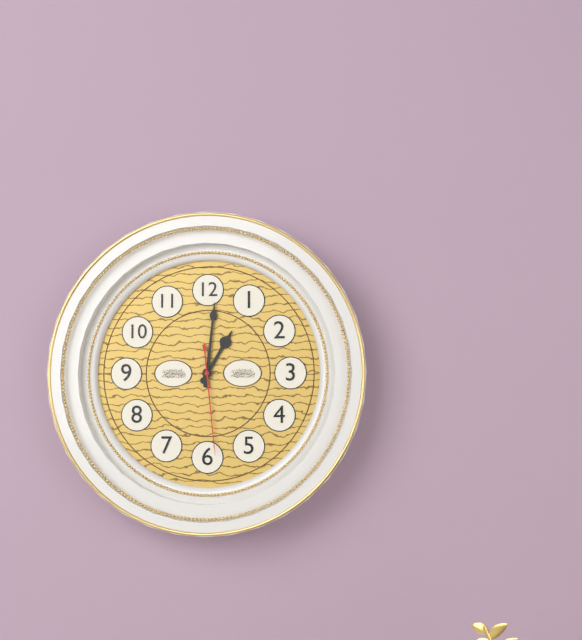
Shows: 1:01:29
